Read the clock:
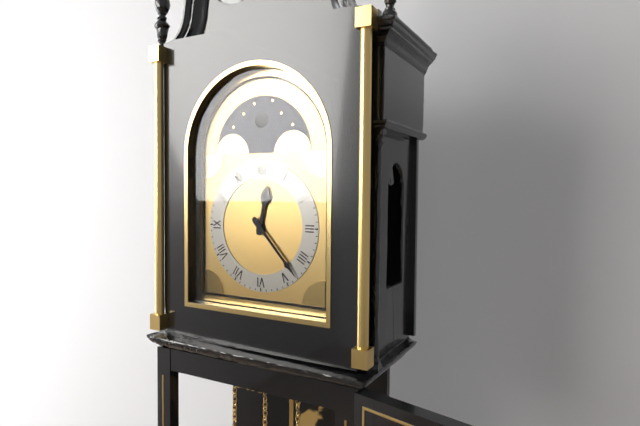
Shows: 12:23
